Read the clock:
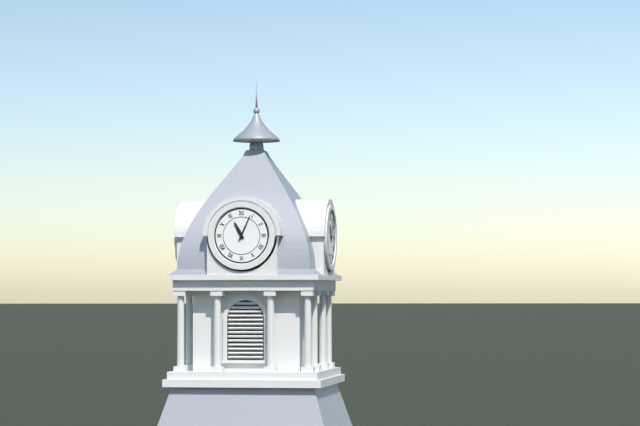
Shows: 11:04
